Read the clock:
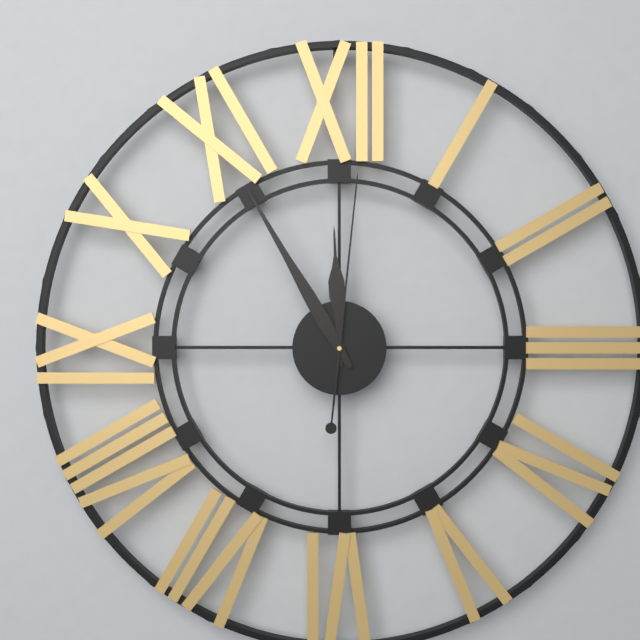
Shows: 11:55:01
